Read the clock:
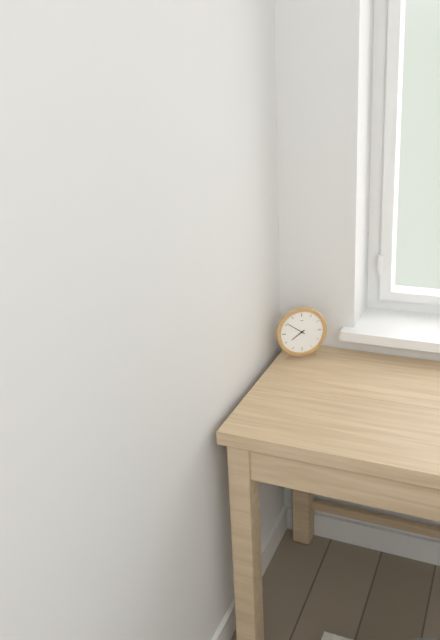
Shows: 7:51
